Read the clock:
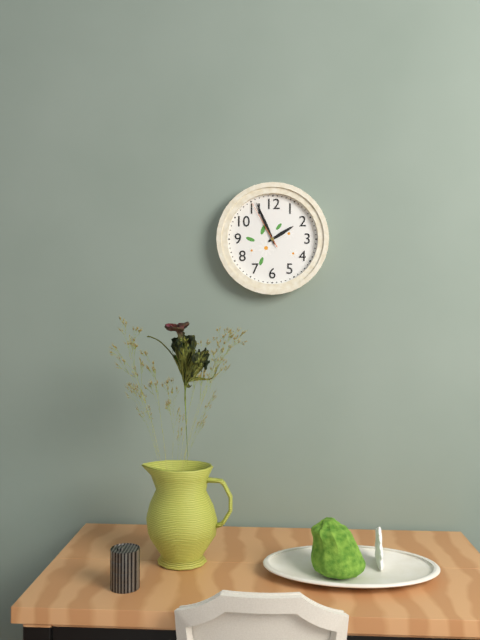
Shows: 1:56:55
